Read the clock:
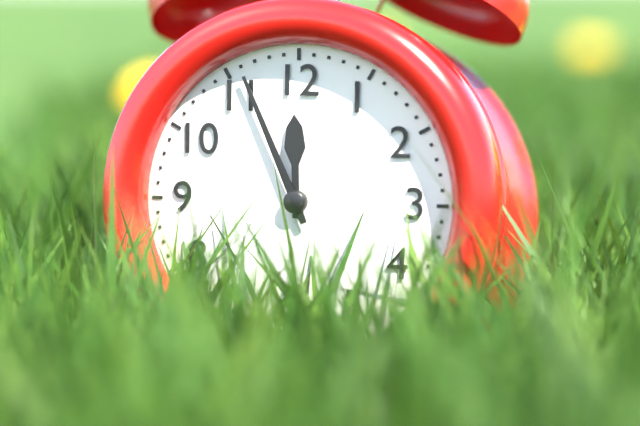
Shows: 11:56
